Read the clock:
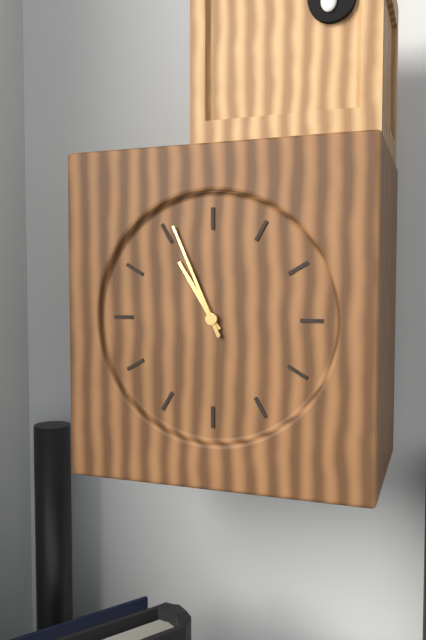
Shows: 10:56
